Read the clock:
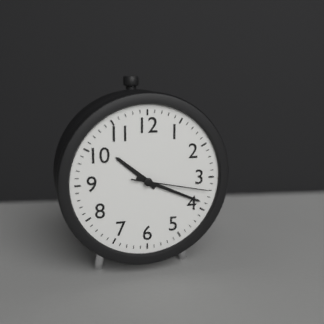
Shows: 10:19:17
